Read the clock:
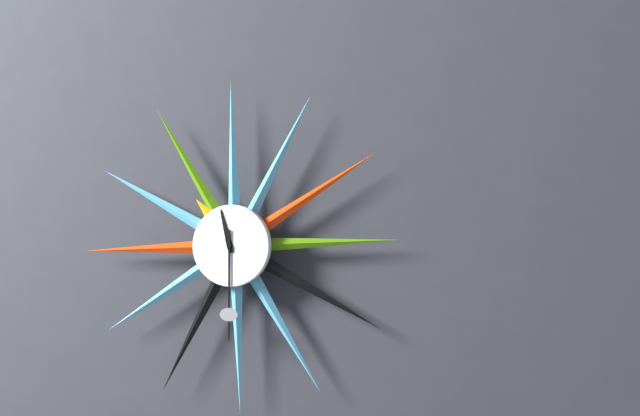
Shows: 11:30
